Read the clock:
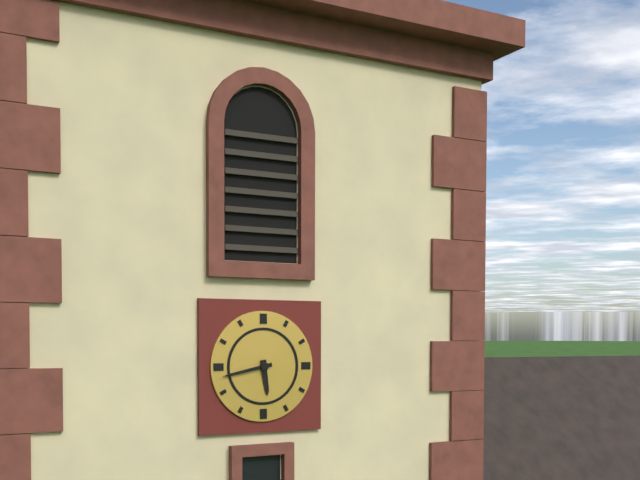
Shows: 5:43
